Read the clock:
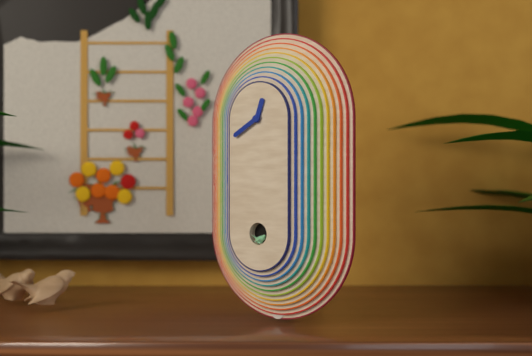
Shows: 12:40
